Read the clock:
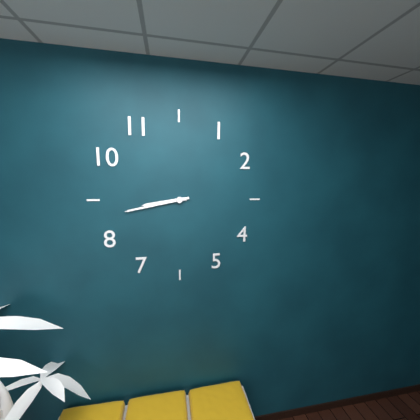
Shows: 8:43
